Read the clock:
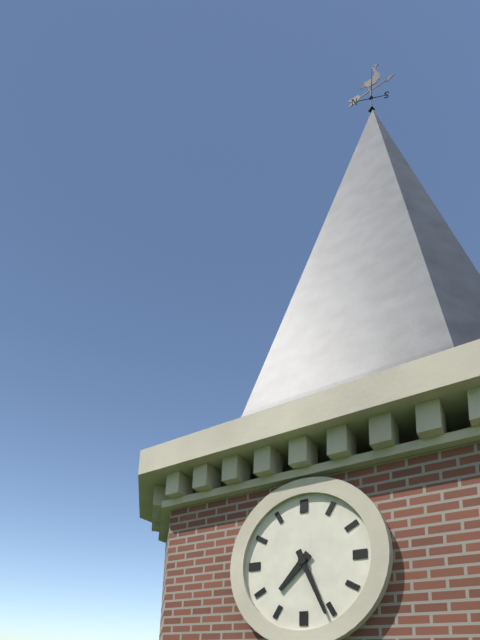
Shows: 7:26
